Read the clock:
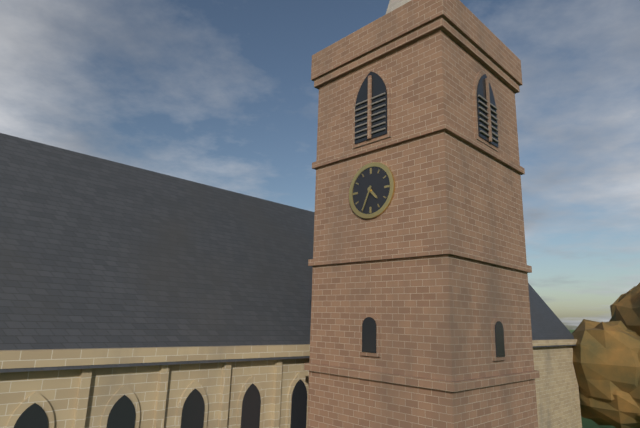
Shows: 4:34
